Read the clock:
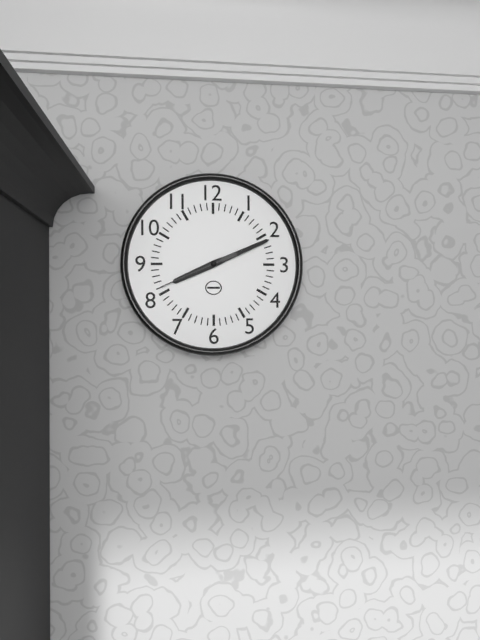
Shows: 8:11:41
